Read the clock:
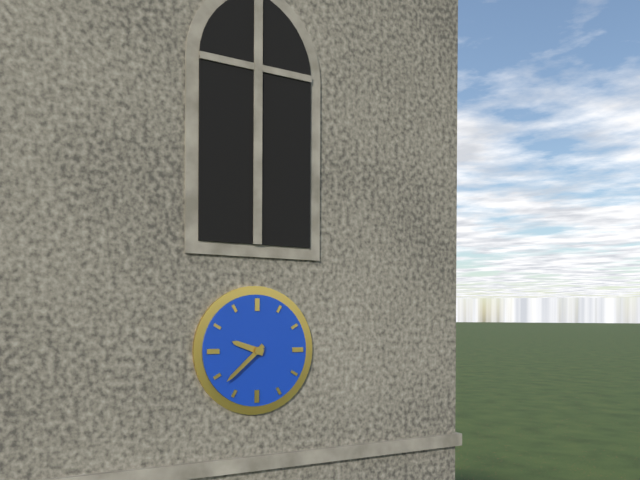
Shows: 9:38
